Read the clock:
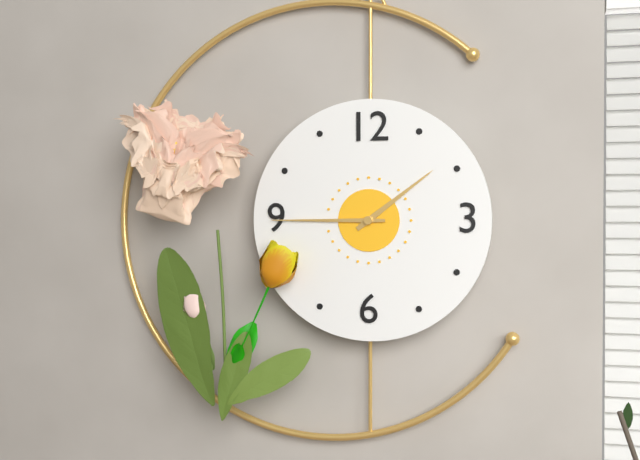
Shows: 1:45
